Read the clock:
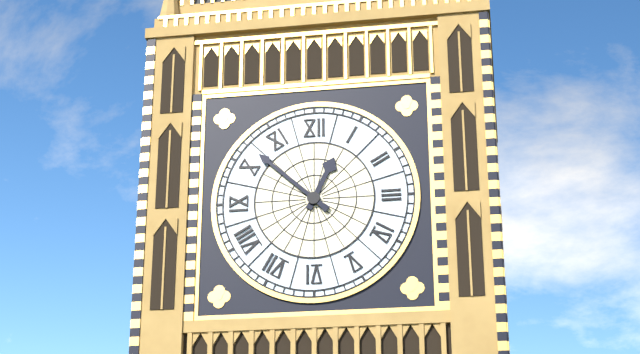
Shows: 12:52
